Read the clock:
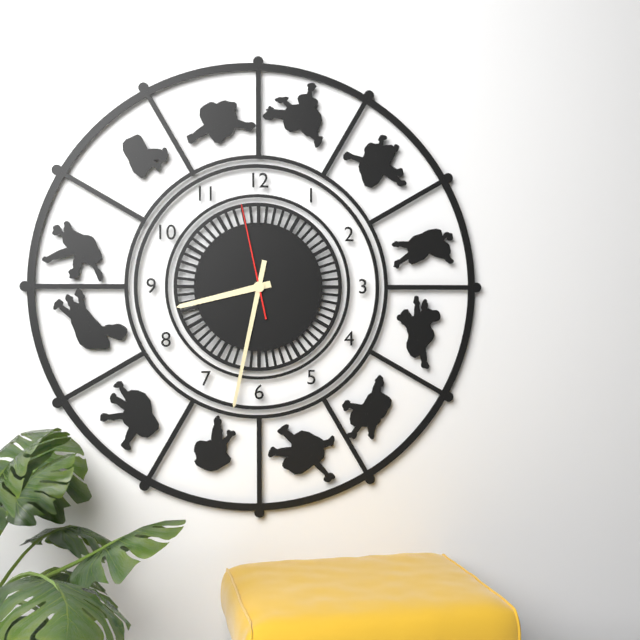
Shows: 8:32:58
